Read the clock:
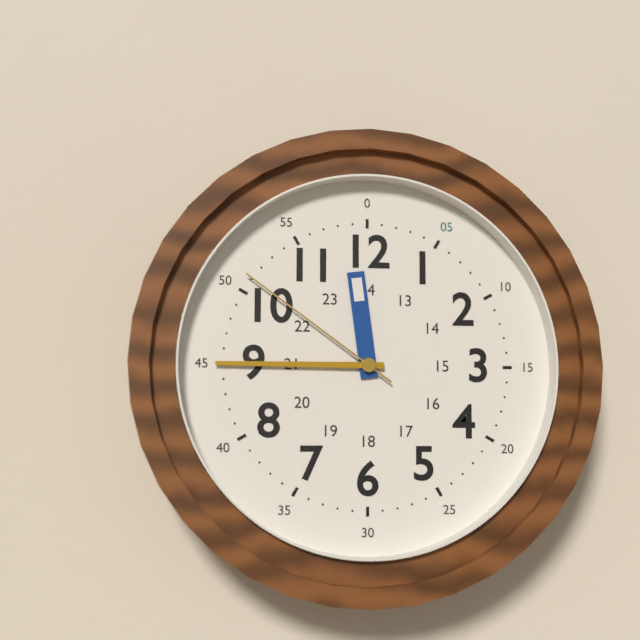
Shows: 11:45:51
